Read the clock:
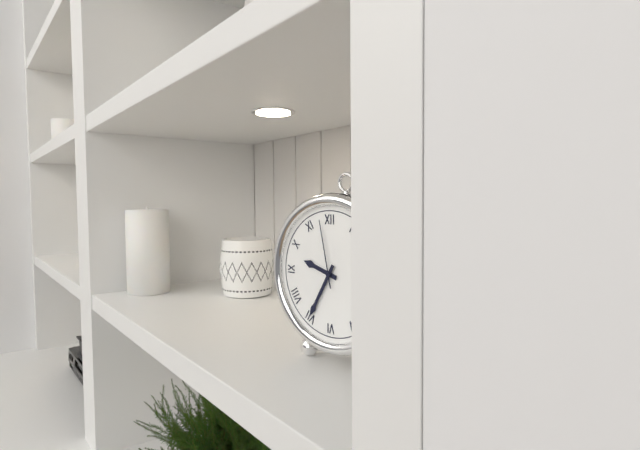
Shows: 9:35:58
